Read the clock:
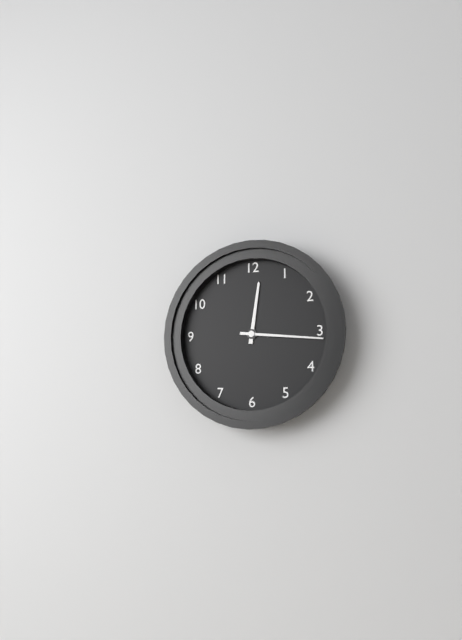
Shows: 12:16
